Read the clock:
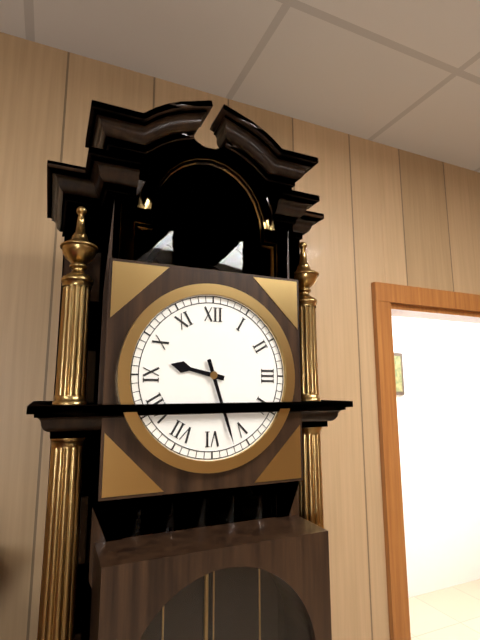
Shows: 9:27
